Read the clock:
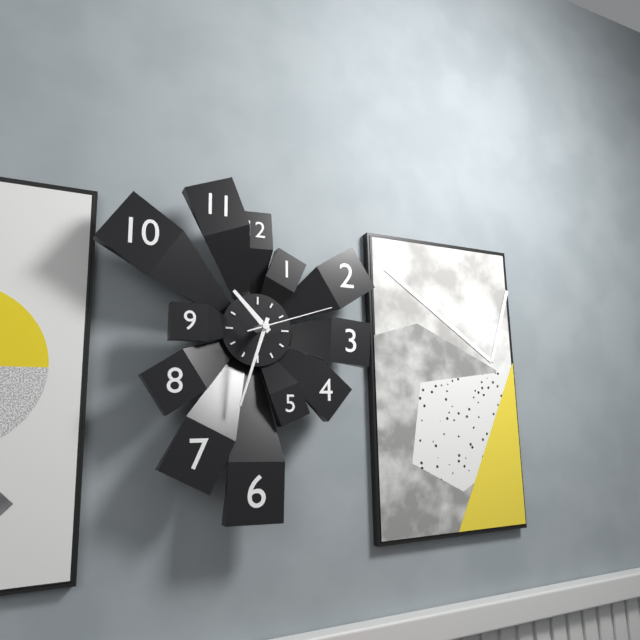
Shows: 10:33:12
